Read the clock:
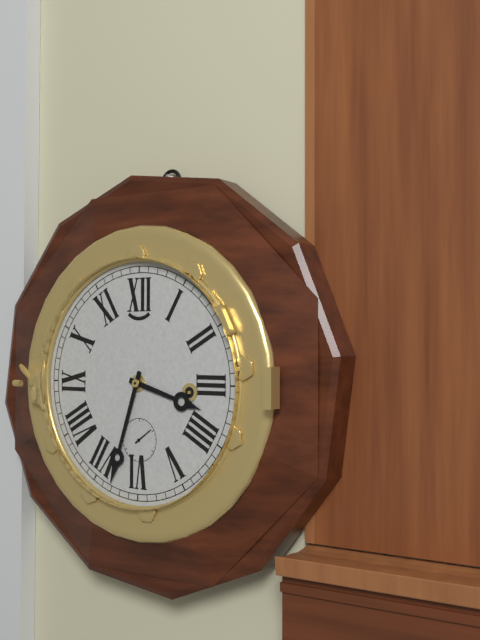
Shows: 3:33
